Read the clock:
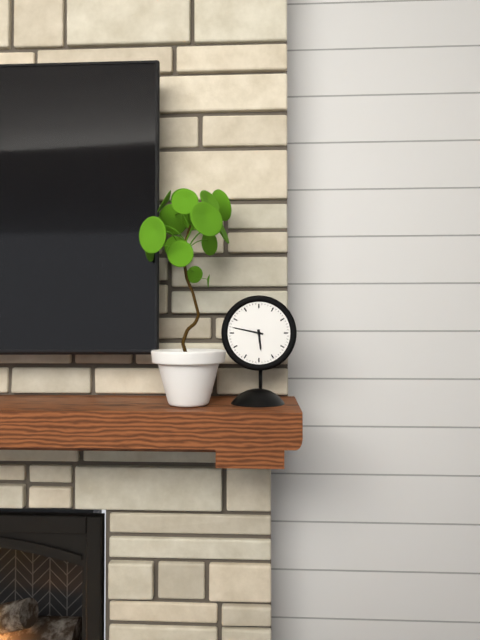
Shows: 5:47
